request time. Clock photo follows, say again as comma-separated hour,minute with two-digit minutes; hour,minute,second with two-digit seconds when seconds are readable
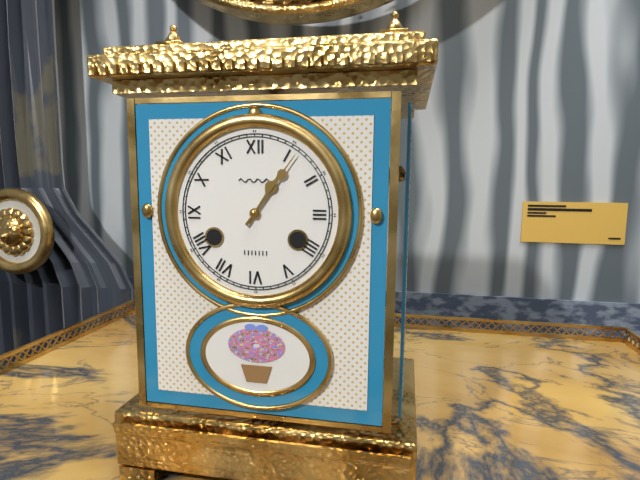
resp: 1,06
